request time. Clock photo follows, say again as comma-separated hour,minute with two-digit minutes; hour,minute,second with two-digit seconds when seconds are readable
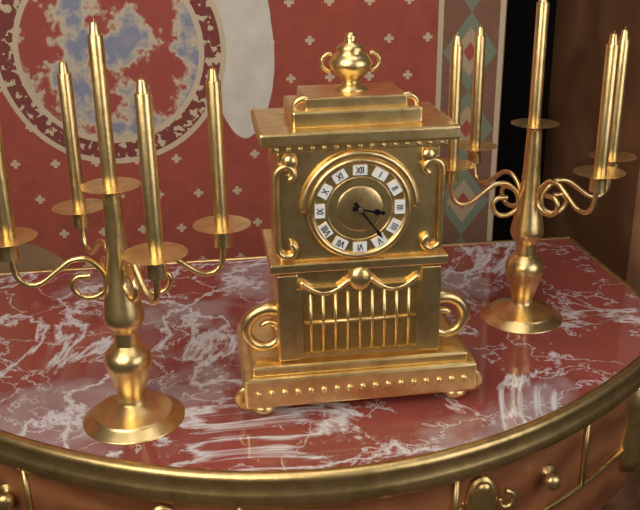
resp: 3,24
